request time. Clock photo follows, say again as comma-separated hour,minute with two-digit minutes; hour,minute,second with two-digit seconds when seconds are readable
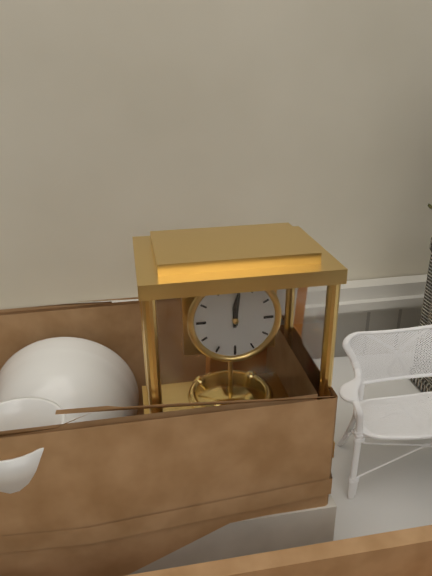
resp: 12,01
